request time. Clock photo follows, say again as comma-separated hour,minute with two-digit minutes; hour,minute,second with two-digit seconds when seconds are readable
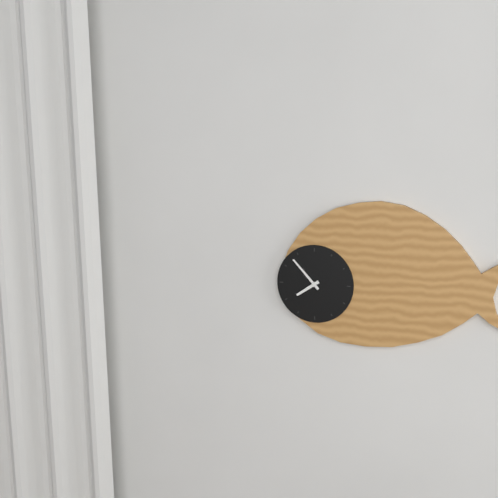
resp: 7,53
